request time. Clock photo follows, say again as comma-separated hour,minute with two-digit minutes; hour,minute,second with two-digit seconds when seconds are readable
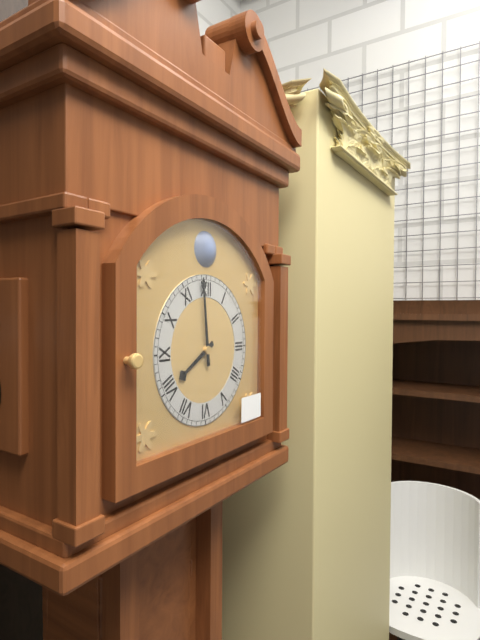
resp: 7,59
